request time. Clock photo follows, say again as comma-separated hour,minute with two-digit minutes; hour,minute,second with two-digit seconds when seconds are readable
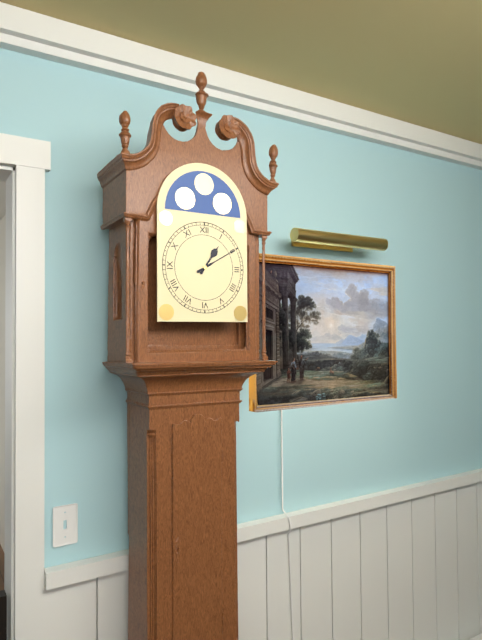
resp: 1,10
